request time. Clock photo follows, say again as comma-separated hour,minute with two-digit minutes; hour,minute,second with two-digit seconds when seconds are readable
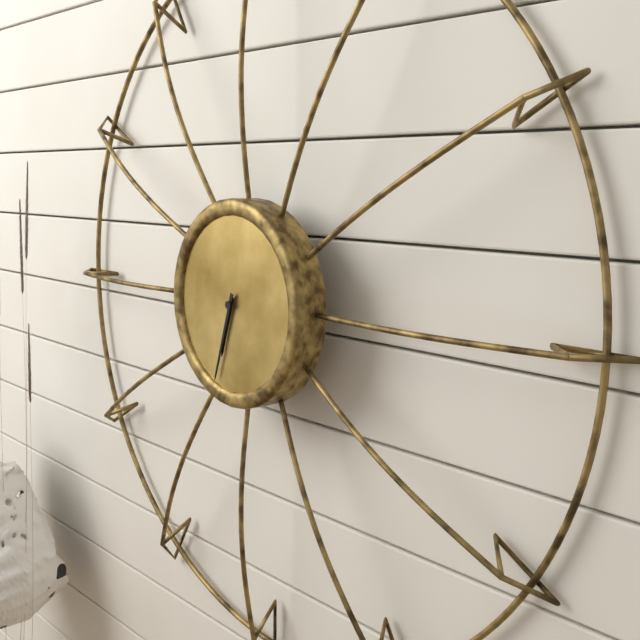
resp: 6,33
